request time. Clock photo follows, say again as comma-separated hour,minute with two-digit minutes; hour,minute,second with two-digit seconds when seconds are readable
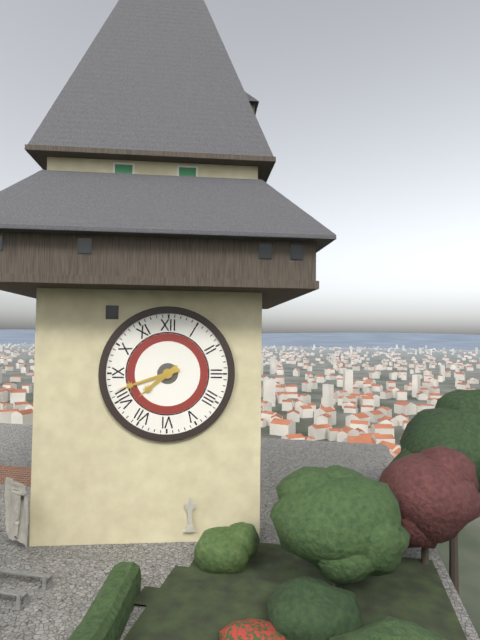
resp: 7,42
